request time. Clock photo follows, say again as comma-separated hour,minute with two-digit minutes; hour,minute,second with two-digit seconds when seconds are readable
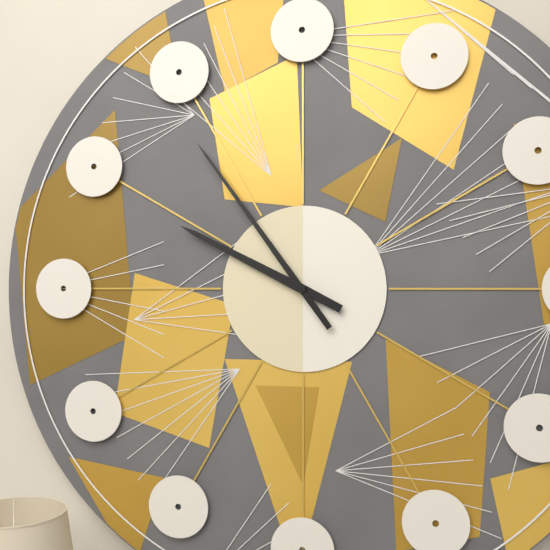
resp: 9,54
